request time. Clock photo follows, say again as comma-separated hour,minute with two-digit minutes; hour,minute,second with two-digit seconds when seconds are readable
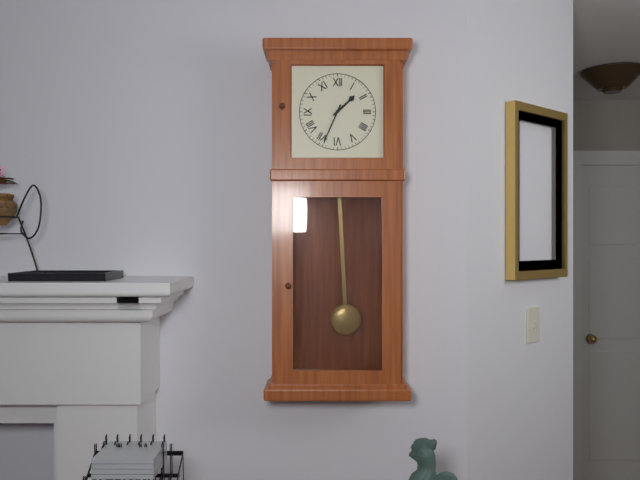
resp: 1,34
